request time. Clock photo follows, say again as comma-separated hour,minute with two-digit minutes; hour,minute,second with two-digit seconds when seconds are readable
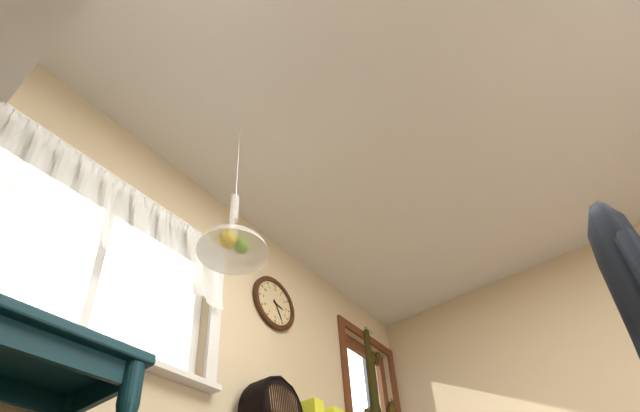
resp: 3,25
